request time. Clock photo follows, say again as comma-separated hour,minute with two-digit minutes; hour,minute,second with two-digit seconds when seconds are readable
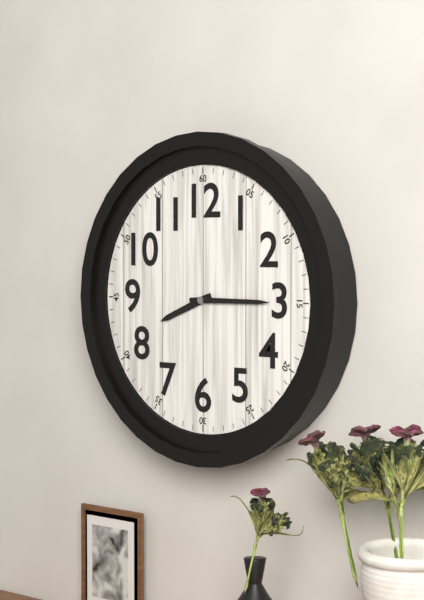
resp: 8,15
